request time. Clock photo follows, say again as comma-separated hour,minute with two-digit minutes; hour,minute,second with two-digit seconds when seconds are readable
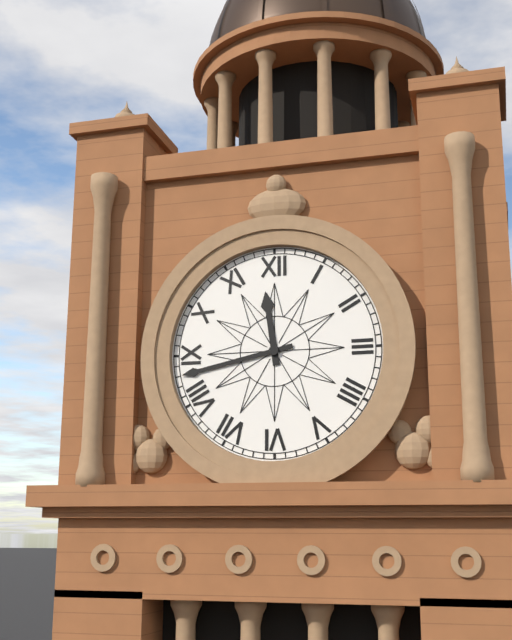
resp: 11,43
